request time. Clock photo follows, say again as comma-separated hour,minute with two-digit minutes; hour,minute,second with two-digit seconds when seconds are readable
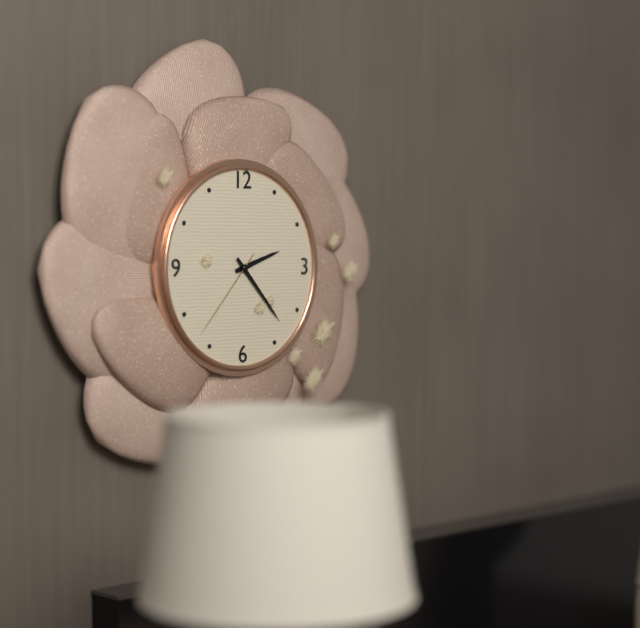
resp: 2,23,37
